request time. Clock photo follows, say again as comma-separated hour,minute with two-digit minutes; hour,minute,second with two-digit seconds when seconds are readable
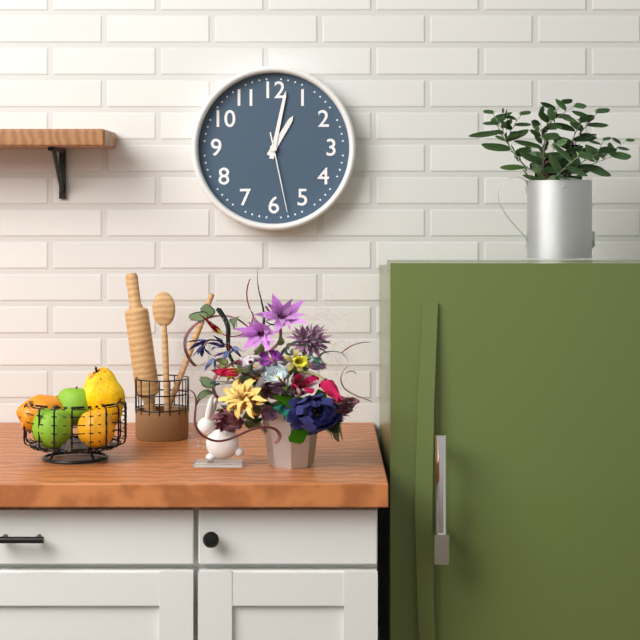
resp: 1,02,28
